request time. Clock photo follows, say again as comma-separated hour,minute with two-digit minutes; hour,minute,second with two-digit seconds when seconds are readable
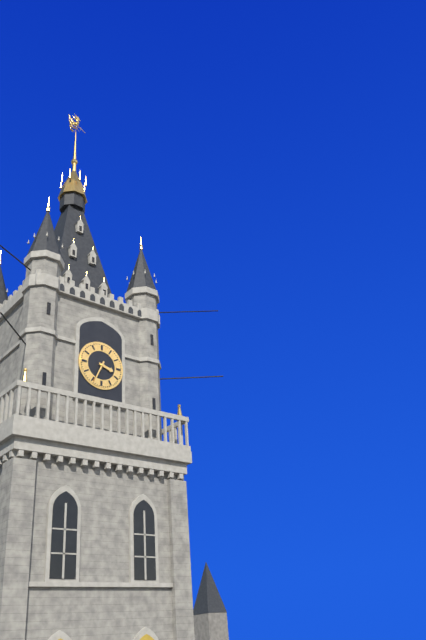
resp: 3,34
